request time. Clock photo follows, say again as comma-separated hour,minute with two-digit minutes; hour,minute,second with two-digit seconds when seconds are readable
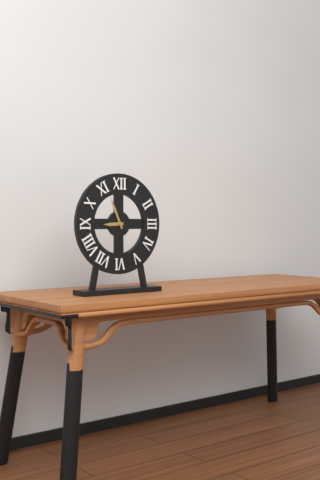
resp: 8,56
